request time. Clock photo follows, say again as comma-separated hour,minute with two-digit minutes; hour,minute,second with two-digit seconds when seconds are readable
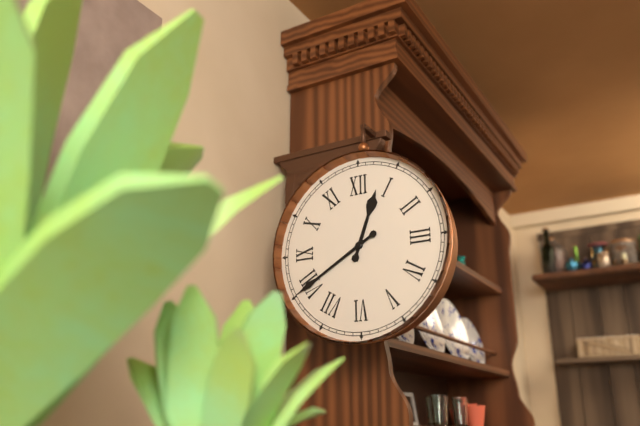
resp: 12,40
